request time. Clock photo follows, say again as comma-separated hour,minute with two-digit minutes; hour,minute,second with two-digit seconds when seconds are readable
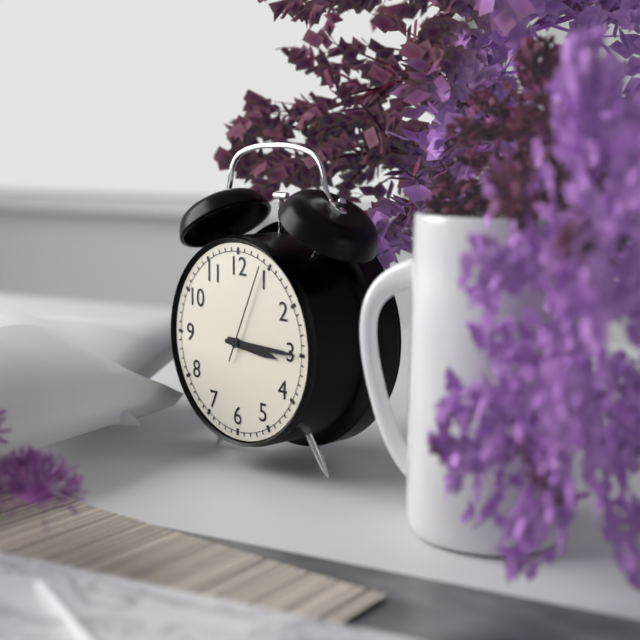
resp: 3,15,04
